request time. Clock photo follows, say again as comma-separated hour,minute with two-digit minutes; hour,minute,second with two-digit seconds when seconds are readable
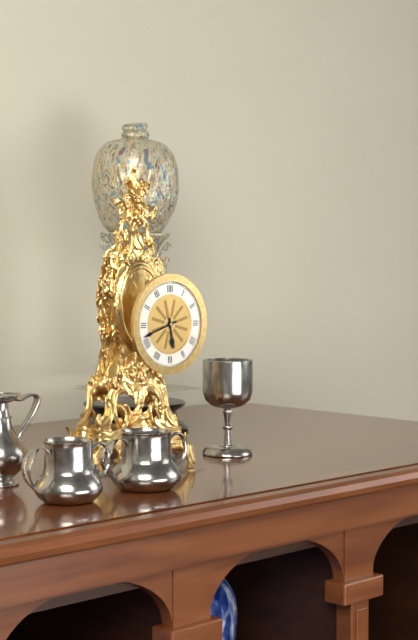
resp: 5,42
